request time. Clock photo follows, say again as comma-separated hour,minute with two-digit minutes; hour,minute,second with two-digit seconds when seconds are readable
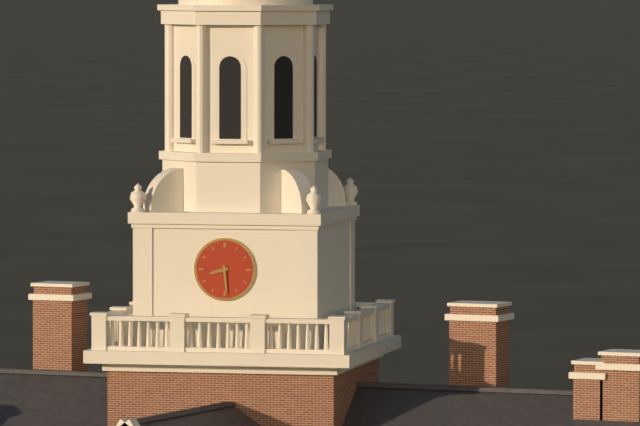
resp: 8,29
